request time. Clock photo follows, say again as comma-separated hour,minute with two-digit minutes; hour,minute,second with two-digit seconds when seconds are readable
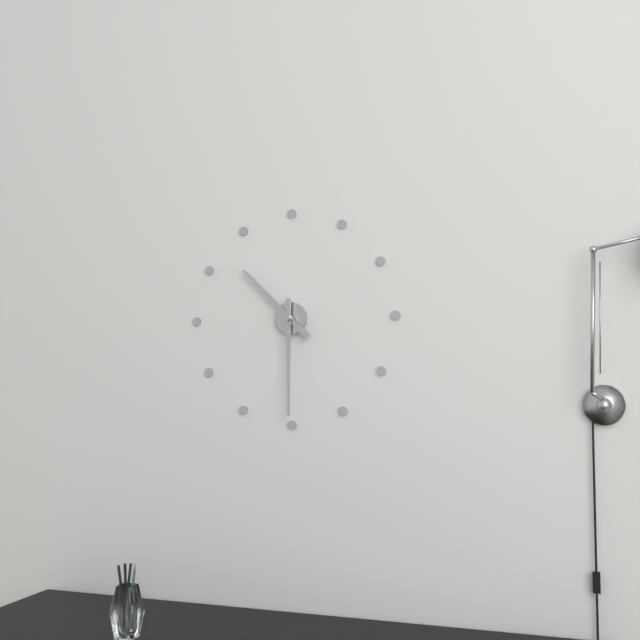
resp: 10,30
